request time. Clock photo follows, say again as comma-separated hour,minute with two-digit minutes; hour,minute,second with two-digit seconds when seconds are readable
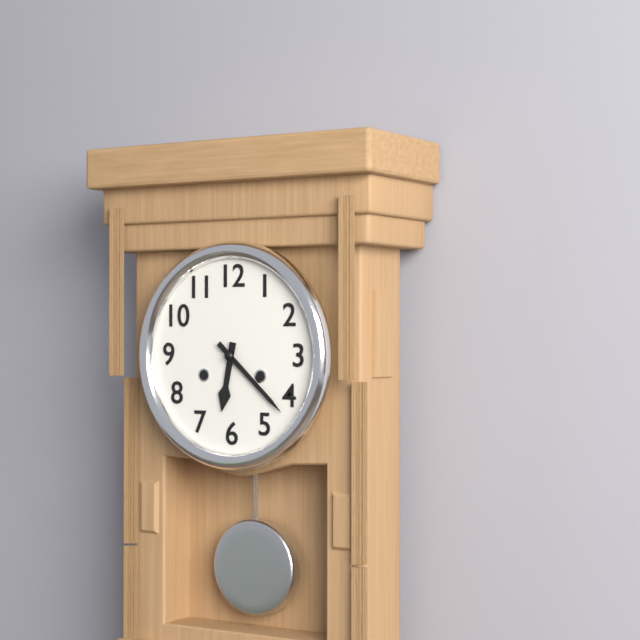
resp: 6,22
